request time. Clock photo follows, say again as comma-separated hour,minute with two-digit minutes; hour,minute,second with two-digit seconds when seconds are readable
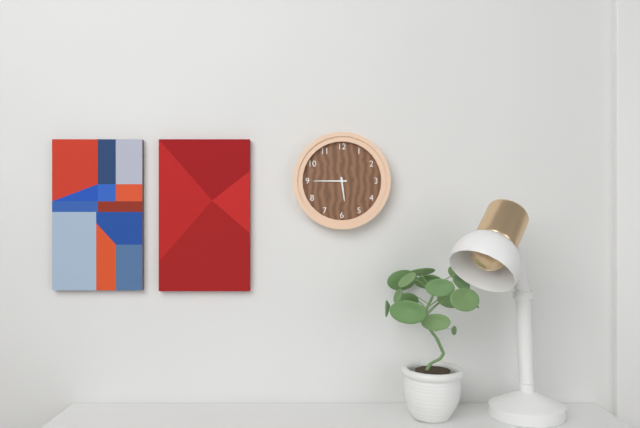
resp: 5,45
